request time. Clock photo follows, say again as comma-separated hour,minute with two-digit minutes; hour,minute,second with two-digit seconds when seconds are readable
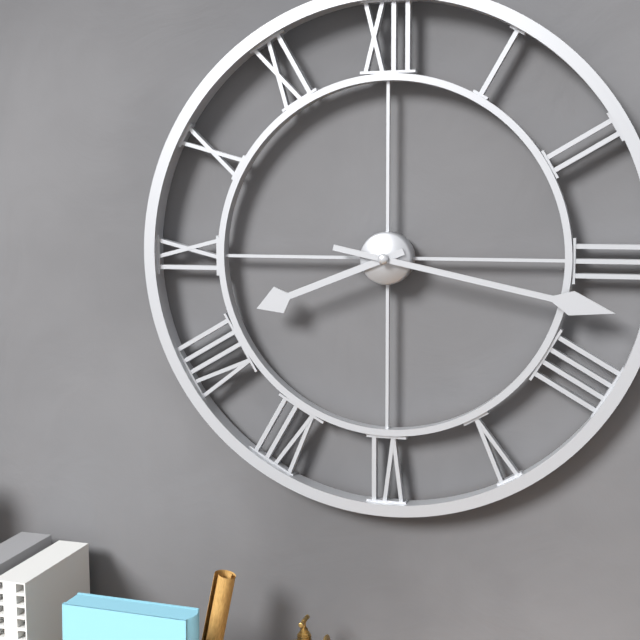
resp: 8,17
